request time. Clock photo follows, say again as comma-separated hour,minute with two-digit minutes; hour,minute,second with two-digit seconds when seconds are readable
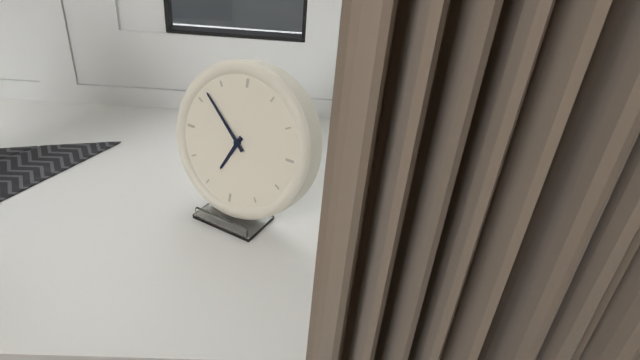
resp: 6,52
